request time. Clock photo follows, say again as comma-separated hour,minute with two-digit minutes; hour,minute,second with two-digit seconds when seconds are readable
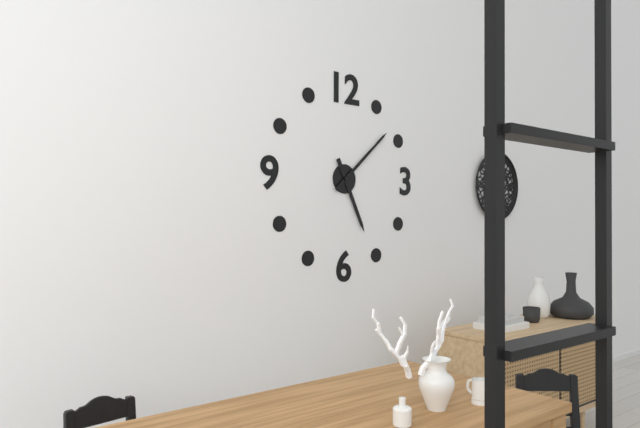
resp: 5,08
